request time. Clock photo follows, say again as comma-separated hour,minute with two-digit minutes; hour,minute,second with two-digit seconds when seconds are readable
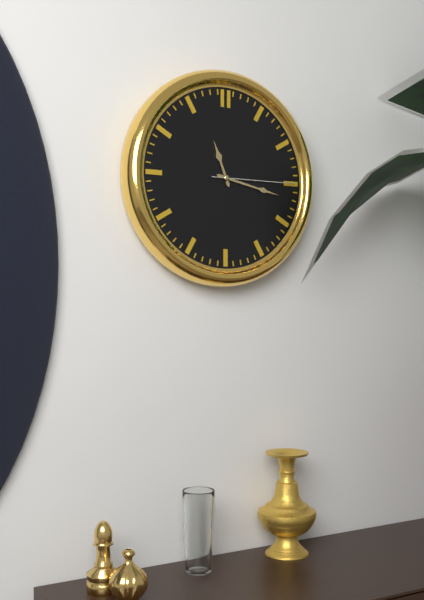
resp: 11,17,15
